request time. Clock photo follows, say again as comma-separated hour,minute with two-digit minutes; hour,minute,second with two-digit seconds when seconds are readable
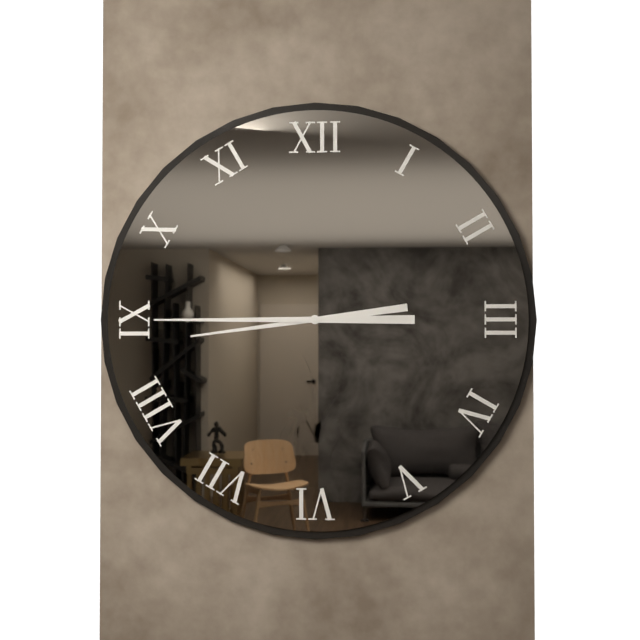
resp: 8,45
